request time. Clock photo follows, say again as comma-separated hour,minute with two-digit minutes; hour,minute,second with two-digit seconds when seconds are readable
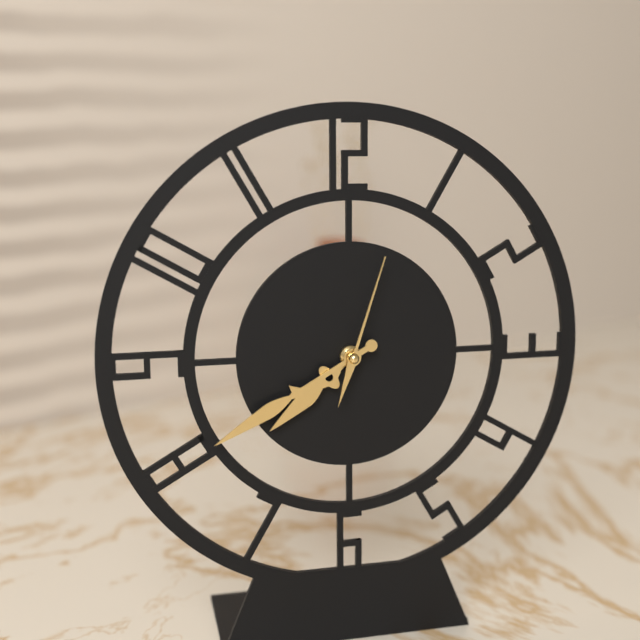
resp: 7,40,03
